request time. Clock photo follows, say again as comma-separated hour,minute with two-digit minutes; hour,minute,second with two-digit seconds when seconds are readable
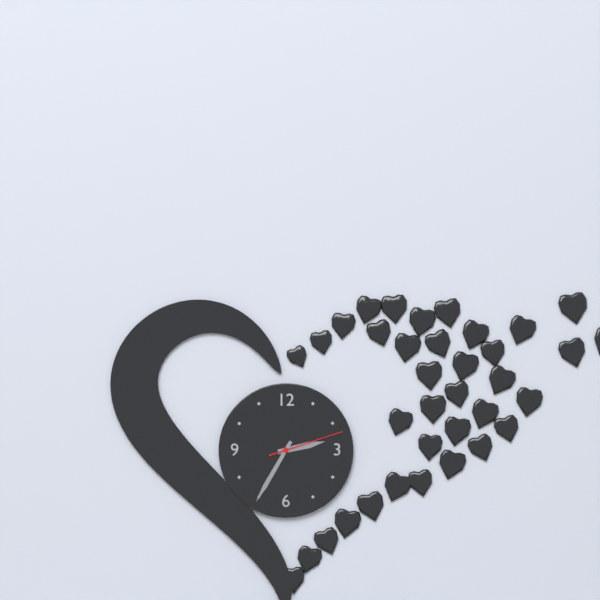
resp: 2,35,12
